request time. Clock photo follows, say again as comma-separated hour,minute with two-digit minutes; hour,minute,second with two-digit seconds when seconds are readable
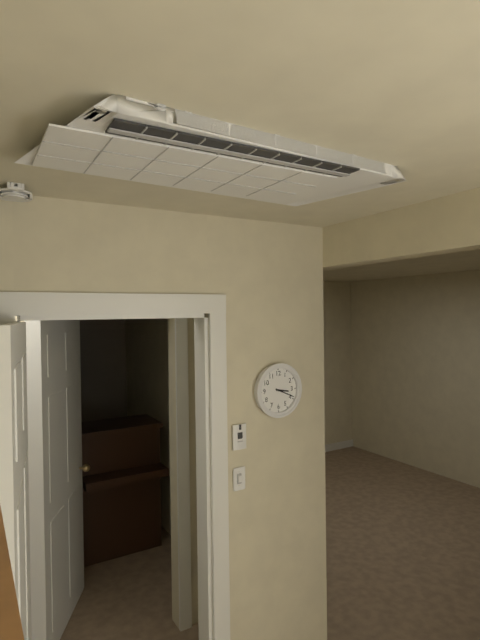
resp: 3,19
